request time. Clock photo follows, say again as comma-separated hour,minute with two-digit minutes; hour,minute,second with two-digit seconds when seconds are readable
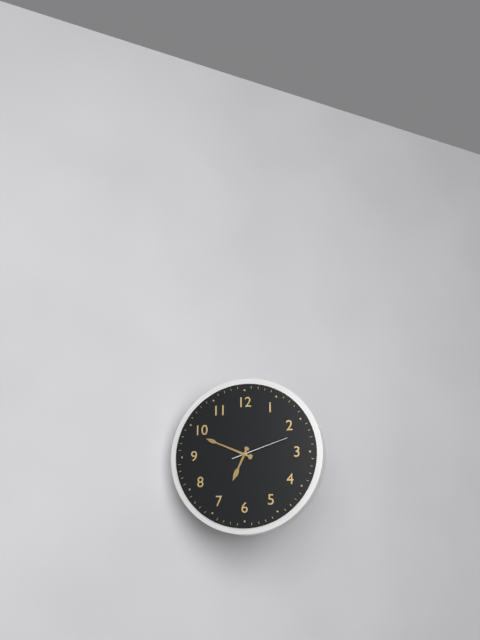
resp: 6,49,12
